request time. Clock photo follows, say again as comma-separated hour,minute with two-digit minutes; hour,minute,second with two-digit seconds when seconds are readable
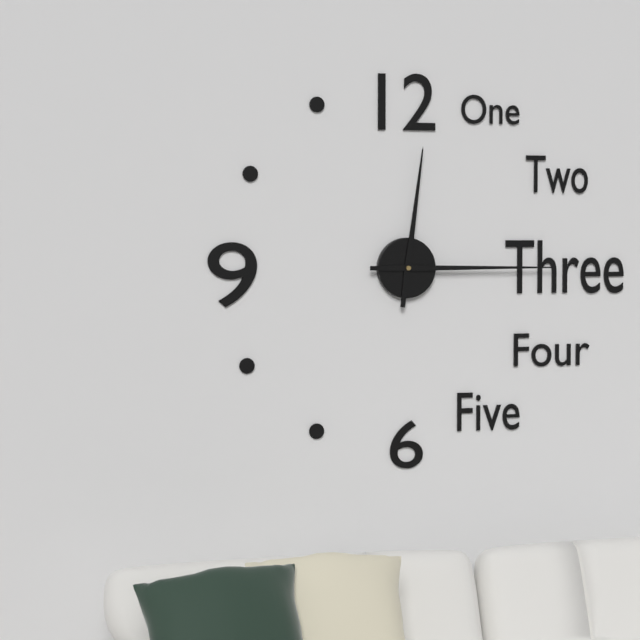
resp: 12,15
